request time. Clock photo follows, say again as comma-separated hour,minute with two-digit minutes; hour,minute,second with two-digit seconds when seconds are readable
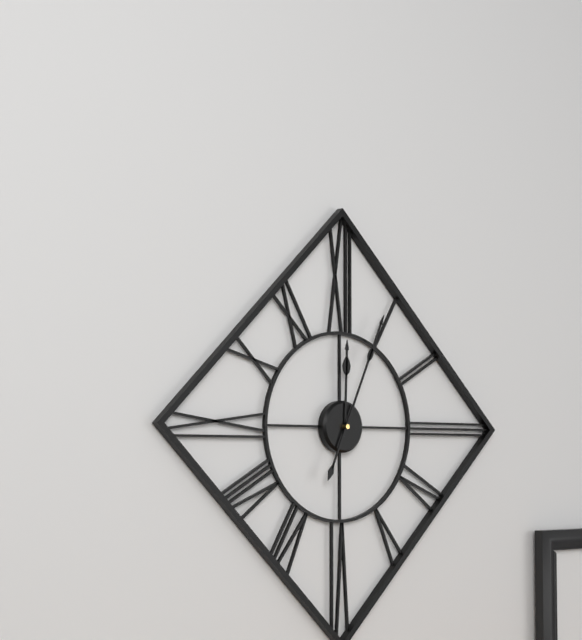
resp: 12,04
